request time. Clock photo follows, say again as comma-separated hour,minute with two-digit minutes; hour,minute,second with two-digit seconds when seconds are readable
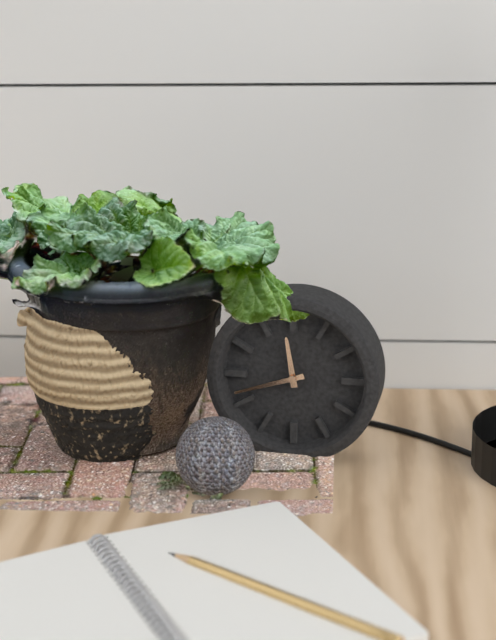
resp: 11,42
